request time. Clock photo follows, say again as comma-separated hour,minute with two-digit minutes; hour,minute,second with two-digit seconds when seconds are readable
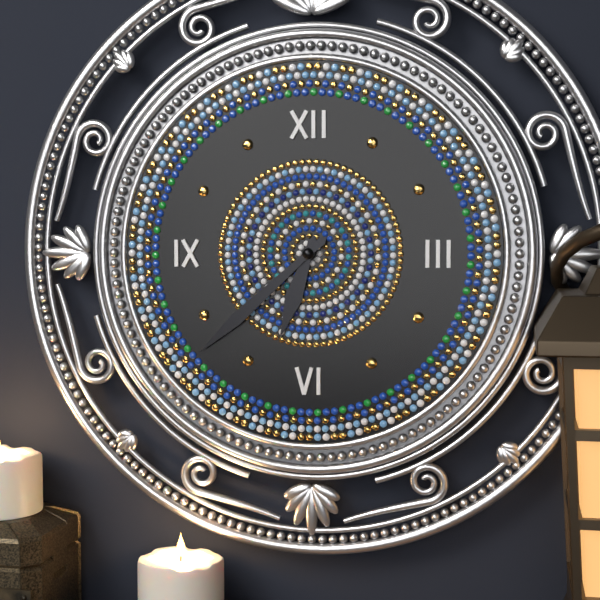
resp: 6,38
